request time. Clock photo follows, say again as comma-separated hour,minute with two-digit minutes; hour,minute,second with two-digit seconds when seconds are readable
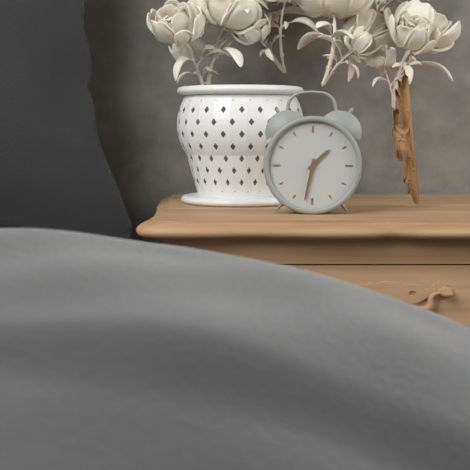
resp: 1,32
